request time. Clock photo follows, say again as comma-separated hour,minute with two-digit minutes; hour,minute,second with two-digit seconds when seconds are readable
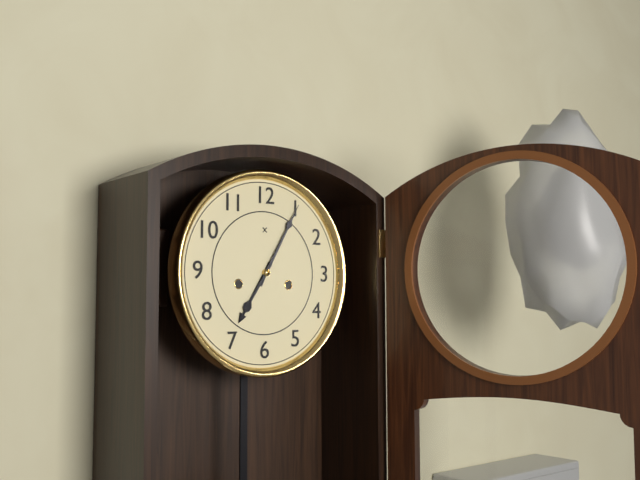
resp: 7,05
